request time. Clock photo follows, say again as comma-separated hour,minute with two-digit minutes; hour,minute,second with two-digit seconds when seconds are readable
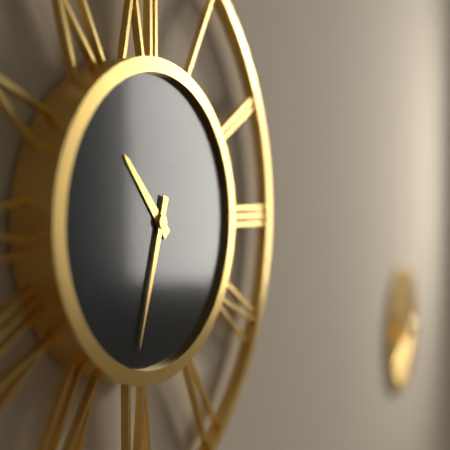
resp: 10,33
